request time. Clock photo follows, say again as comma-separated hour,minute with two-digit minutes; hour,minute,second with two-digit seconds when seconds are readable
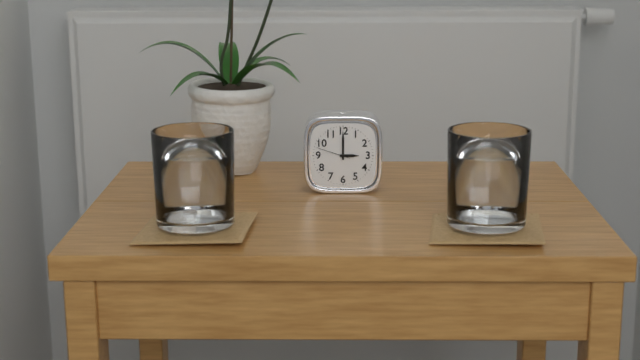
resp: 3,00
